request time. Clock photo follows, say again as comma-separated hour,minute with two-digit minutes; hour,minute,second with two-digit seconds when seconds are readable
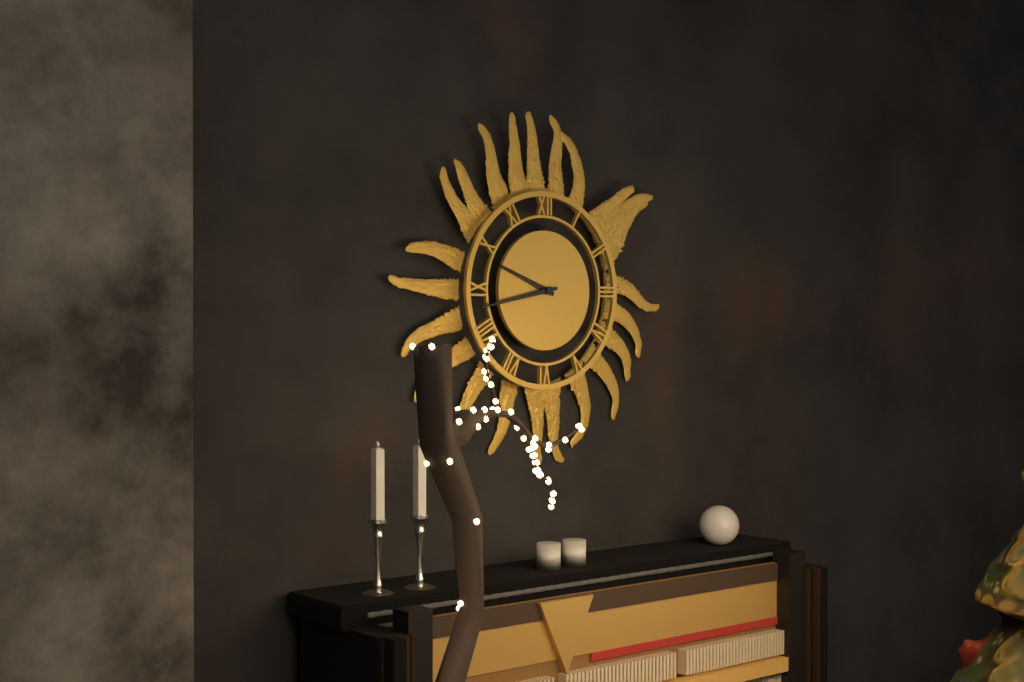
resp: 9,43
